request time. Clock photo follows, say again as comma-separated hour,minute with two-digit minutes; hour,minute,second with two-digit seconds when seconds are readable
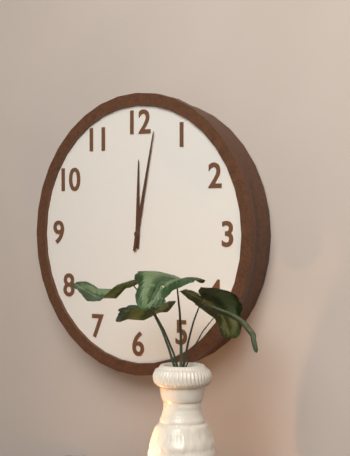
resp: 12,02
